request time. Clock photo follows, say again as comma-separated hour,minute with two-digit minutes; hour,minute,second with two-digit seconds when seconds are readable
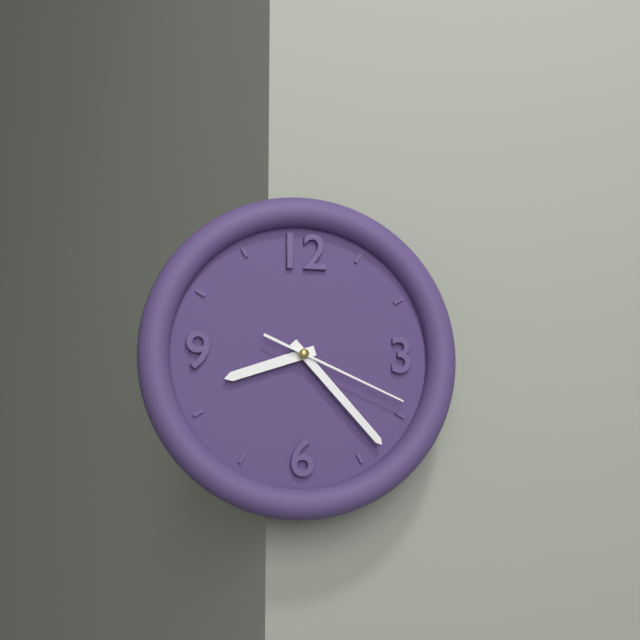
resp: 8,23,19
